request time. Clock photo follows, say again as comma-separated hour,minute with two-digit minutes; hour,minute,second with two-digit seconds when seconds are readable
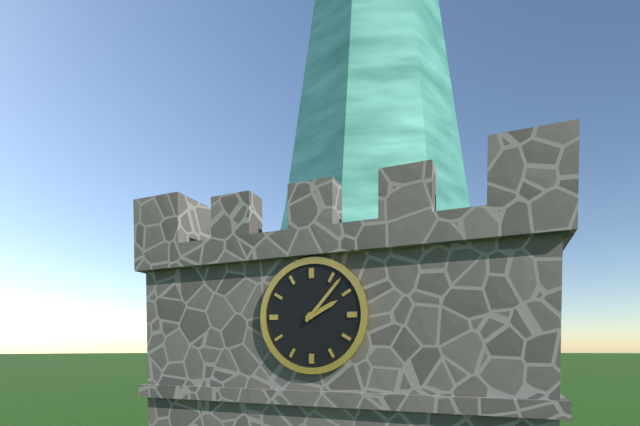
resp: 2,07
